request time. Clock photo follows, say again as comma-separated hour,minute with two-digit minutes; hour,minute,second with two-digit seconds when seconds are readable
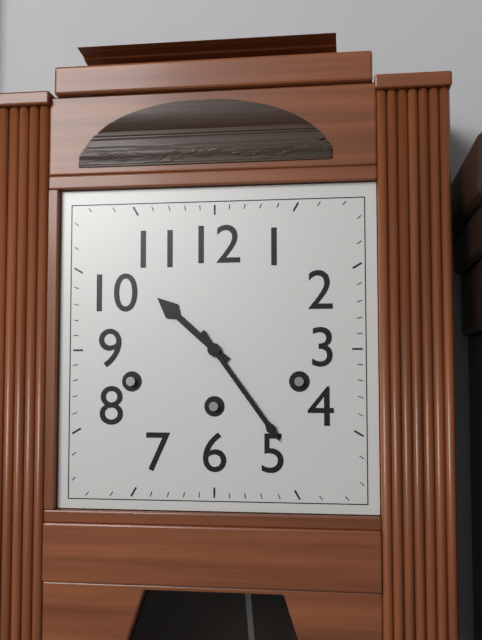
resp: 10,24
